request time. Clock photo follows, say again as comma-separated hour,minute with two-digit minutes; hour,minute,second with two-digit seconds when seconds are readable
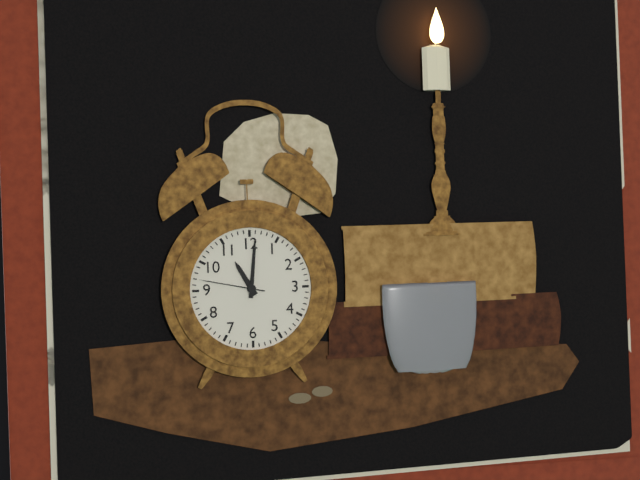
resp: 11,01,47
